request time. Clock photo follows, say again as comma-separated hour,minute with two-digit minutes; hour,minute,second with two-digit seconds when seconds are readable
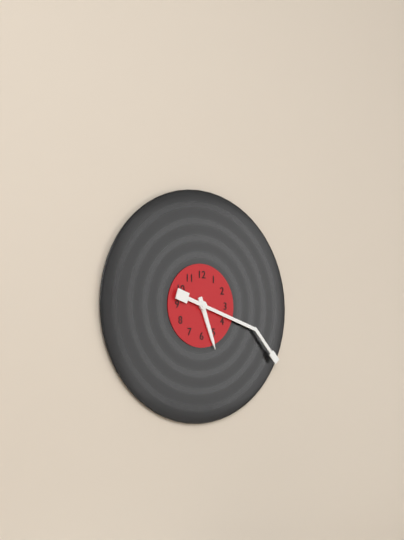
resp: 5,18
